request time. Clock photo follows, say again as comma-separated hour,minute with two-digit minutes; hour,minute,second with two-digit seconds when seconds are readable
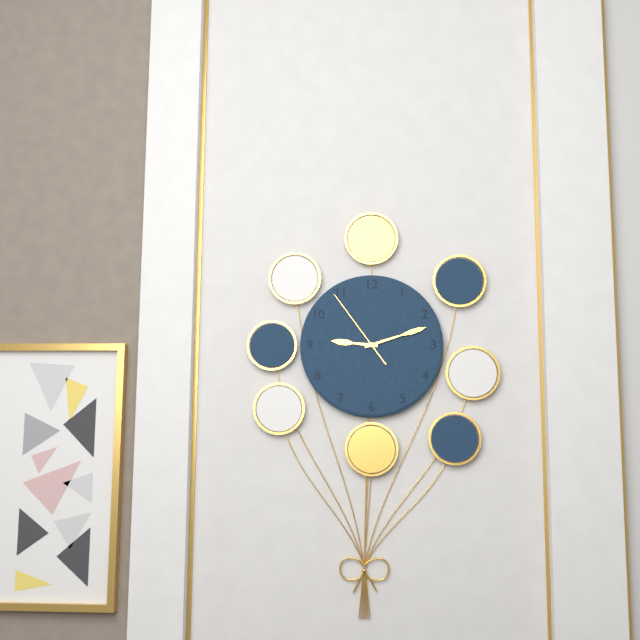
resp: 9,12,54
